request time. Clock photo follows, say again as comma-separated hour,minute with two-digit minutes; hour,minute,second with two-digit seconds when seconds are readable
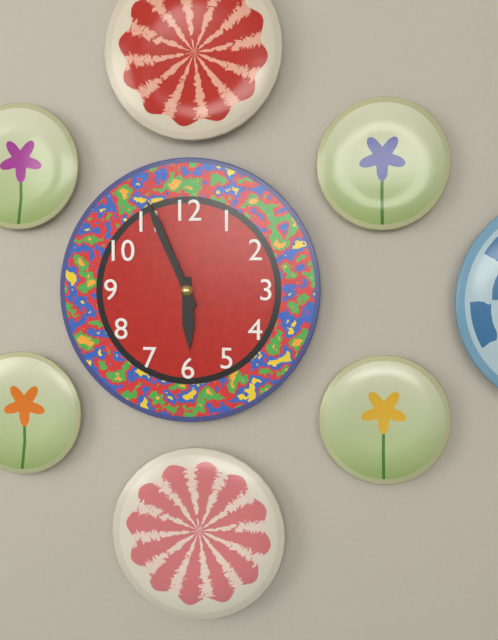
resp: 5,56
